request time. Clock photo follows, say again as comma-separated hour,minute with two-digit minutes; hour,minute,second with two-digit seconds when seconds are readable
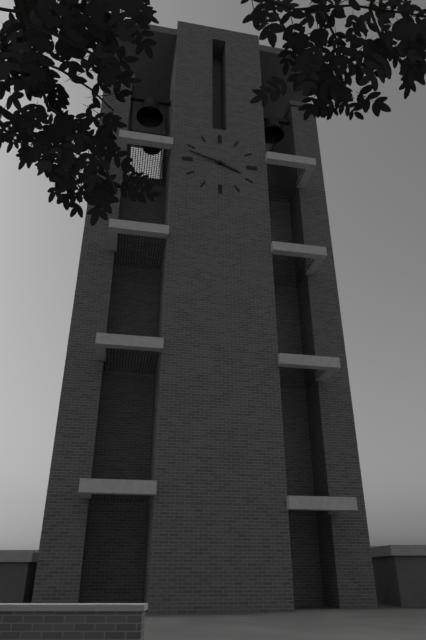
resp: 3,48
